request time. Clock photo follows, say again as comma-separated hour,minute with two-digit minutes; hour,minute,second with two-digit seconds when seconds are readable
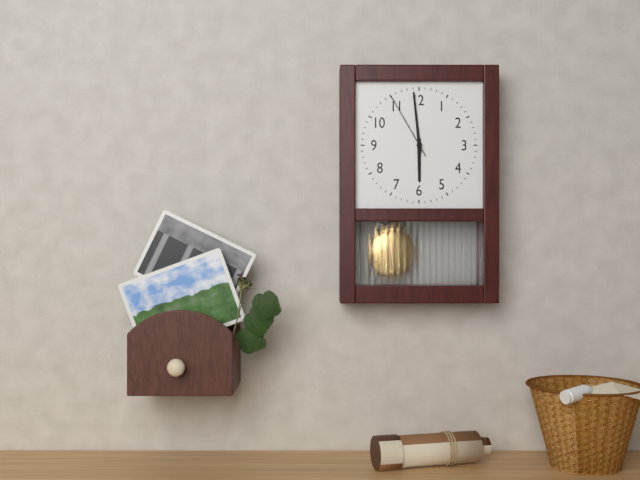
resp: 5,59,55
